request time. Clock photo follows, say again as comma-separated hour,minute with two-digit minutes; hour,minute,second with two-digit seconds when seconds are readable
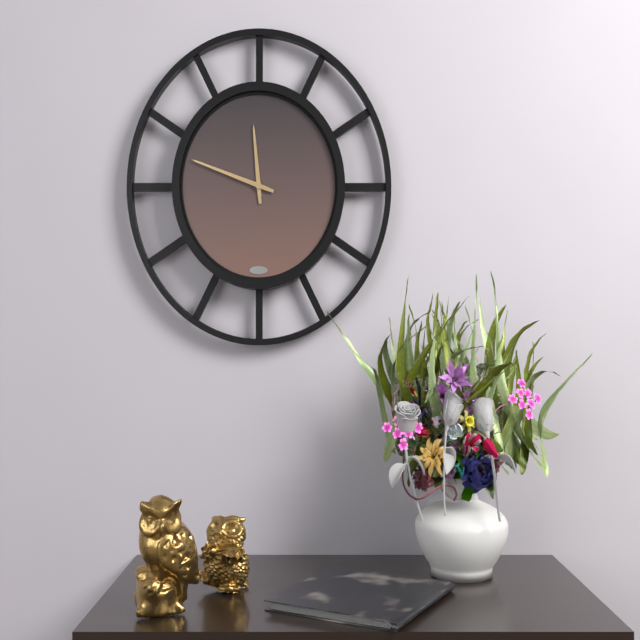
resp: 11,48
